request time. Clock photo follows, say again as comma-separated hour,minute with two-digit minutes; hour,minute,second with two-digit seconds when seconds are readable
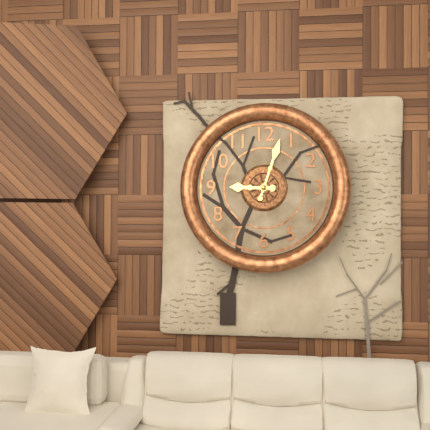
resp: 9,03
